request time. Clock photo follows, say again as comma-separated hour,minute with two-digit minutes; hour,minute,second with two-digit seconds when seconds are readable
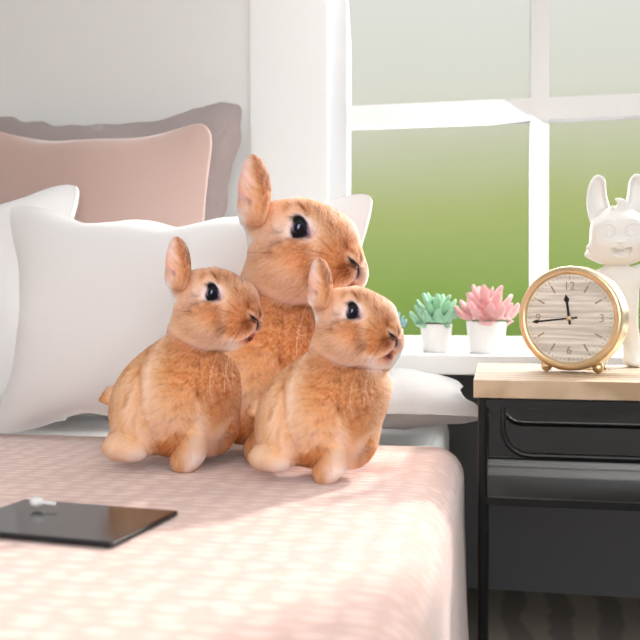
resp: 11,44
